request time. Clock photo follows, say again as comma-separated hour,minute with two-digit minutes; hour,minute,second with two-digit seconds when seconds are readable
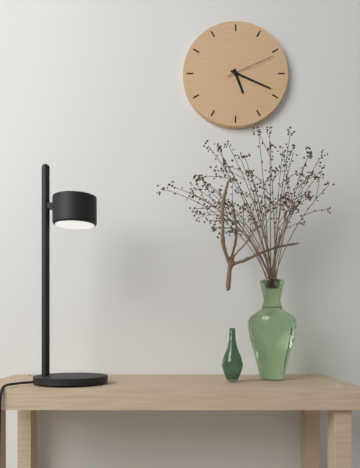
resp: 5,19,11
